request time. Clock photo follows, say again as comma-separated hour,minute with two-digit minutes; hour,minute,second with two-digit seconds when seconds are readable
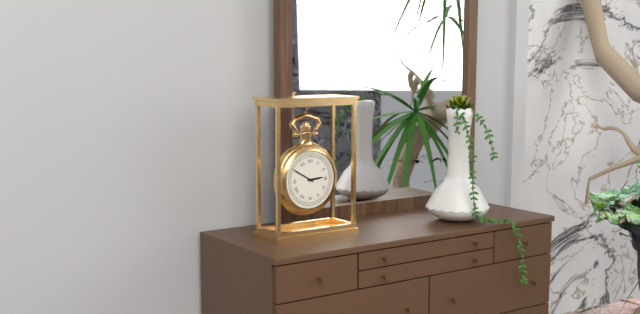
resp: 2,50
